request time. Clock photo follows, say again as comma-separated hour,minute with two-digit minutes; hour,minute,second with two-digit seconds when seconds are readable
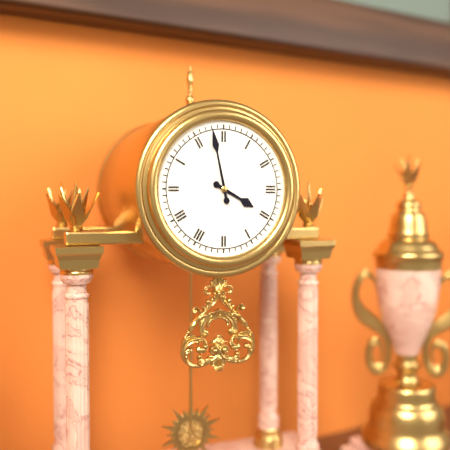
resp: 3,58
